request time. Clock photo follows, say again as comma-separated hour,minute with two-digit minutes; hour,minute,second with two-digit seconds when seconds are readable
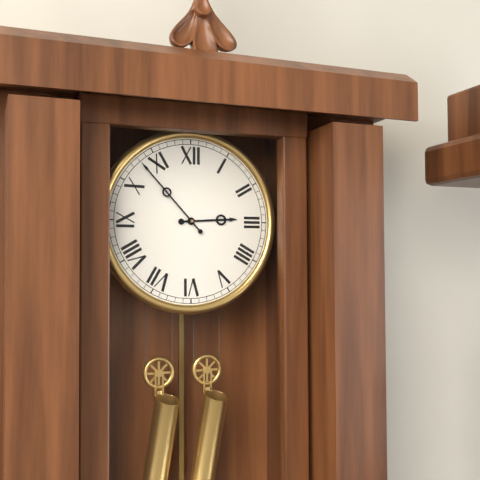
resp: 2,53
